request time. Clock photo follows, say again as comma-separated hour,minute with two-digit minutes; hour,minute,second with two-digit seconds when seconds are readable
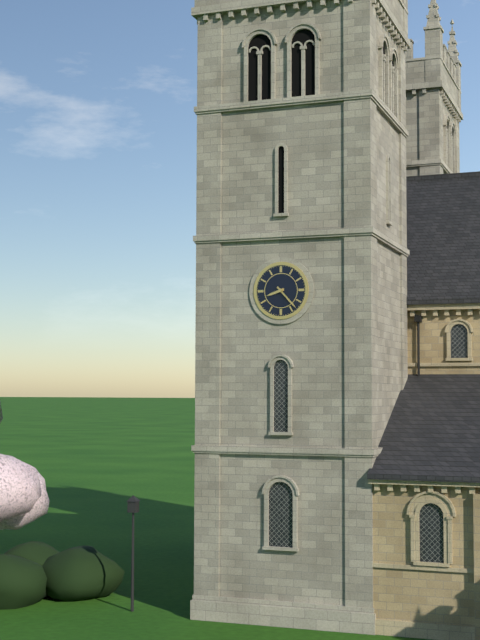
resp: 8,23
